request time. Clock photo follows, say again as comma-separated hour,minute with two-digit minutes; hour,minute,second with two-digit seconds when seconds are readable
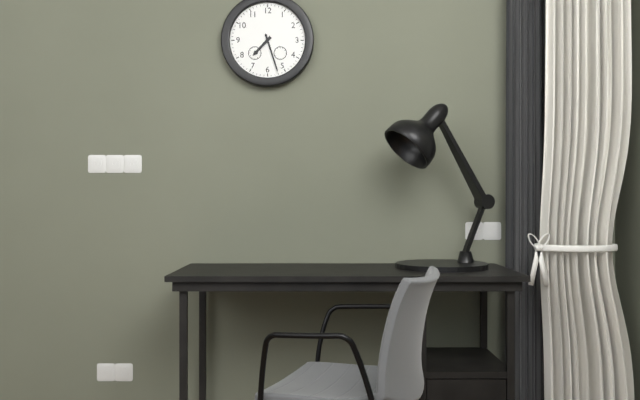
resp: 7,27
